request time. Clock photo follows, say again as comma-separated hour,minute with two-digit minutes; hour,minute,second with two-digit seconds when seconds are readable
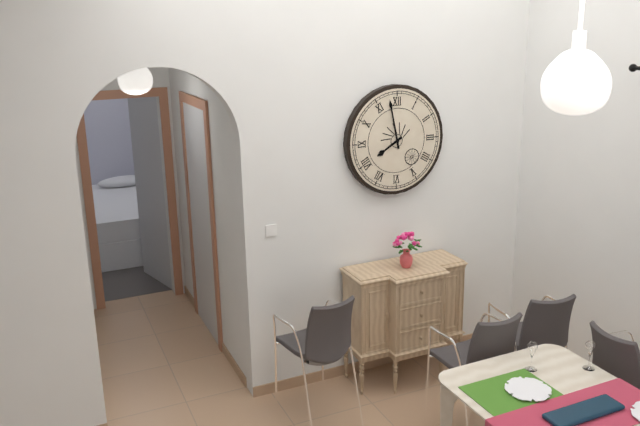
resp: 7,58
